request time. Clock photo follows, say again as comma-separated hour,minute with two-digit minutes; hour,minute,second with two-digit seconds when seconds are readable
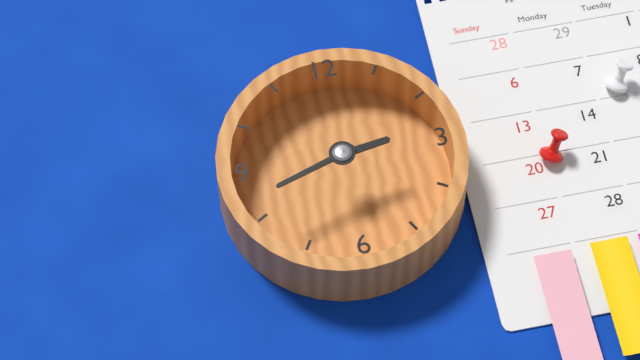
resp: 2,42
